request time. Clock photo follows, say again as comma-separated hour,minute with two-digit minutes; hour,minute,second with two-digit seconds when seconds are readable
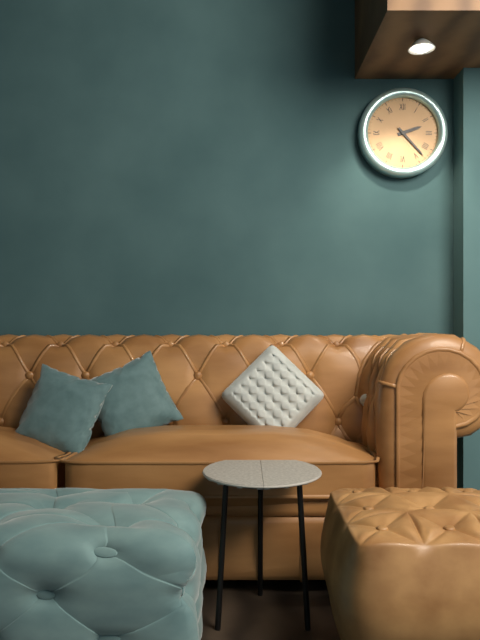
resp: 2,23
